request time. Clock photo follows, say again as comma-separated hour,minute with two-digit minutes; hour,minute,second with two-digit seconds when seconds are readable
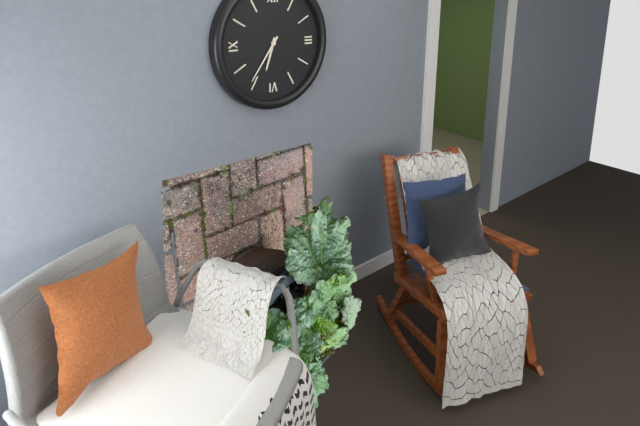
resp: 6,36
